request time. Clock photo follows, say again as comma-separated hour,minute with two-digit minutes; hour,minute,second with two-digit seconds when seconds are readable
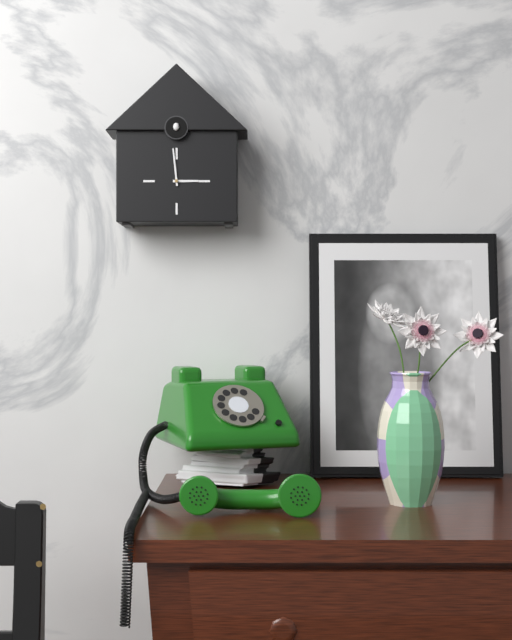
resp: 2,59
